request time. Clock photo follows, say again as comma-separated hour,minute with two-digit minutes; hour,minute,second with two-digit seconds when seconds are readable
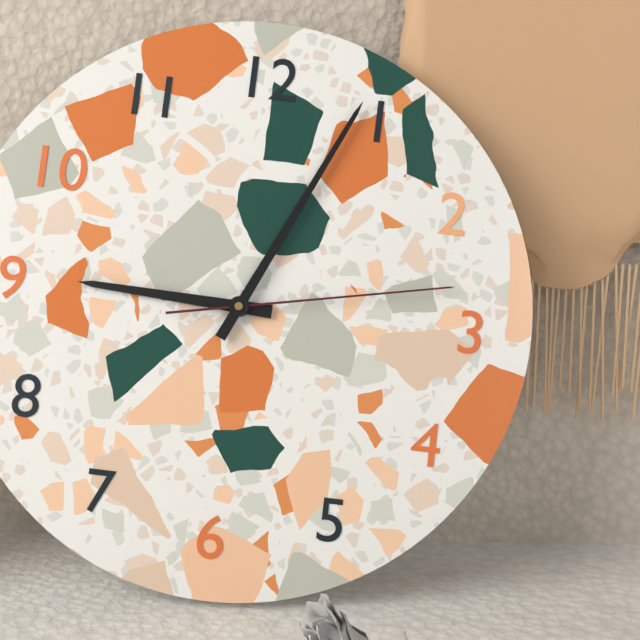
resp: 9,04,13
